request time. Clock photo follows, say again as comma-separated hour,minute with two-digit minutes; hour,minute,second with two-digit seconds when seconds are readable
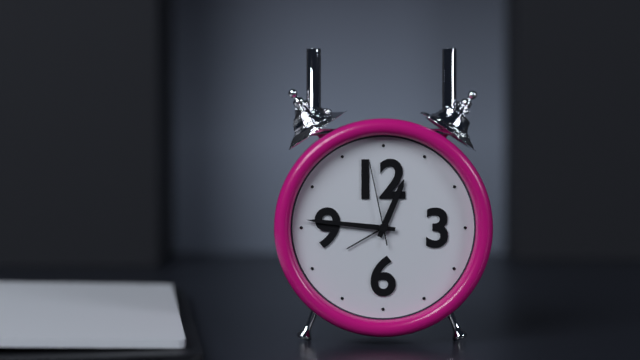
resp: 12,46,58
